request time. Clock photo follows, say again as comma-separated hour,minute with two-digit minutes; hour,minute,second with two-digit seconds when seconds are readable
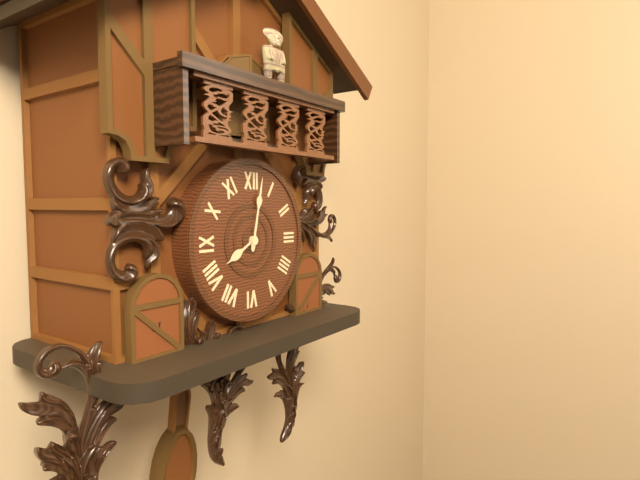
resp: 8,02
